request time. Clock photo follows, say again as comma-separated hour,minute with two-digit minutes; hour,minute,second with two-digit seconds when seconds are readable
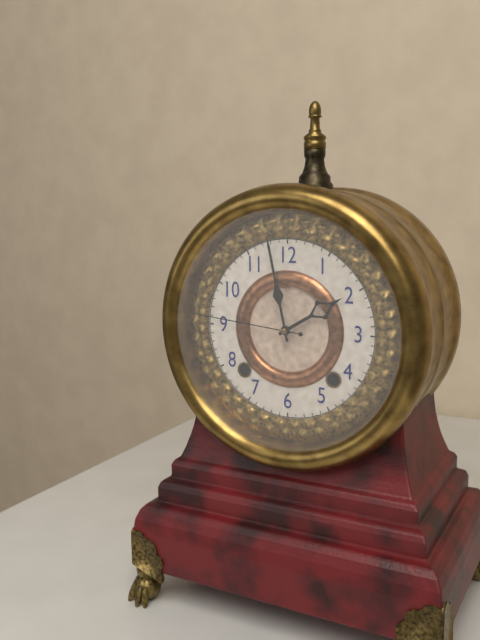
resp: 1,58,46
